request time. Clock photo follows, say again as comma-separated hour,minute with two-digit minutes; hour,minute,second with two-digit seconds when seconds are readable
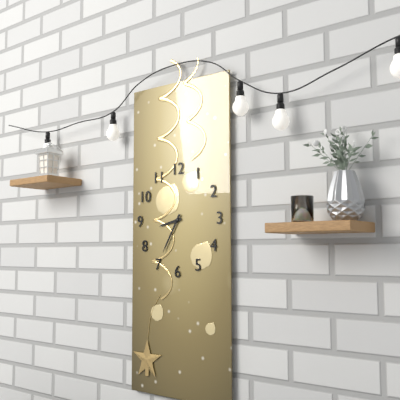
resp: 8,35
